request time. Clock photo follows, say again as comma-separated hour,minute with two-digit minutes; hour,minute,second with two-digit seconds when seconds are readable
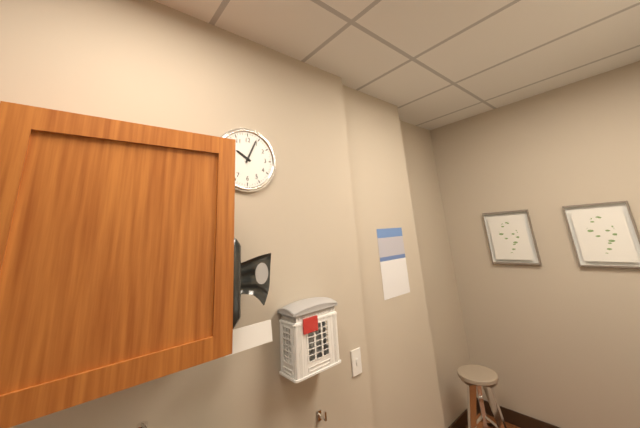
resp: 10,04
